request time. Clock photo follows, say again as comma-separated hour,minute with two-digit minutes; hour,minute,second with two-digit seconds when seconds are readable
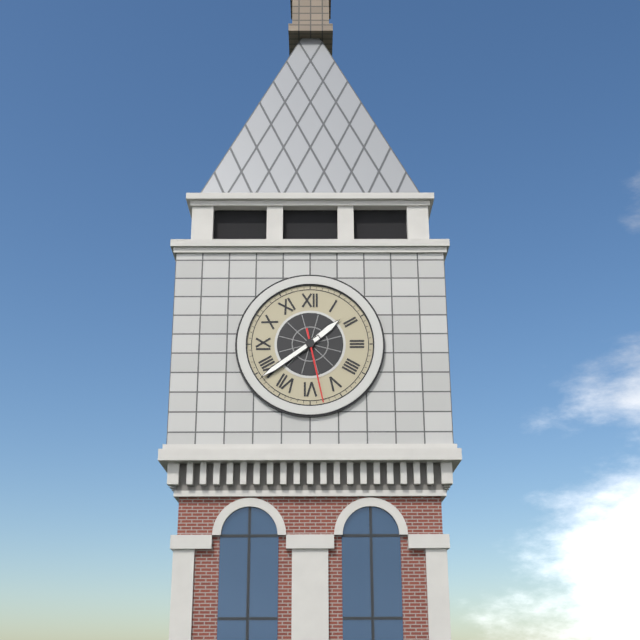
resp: 1,39,28
